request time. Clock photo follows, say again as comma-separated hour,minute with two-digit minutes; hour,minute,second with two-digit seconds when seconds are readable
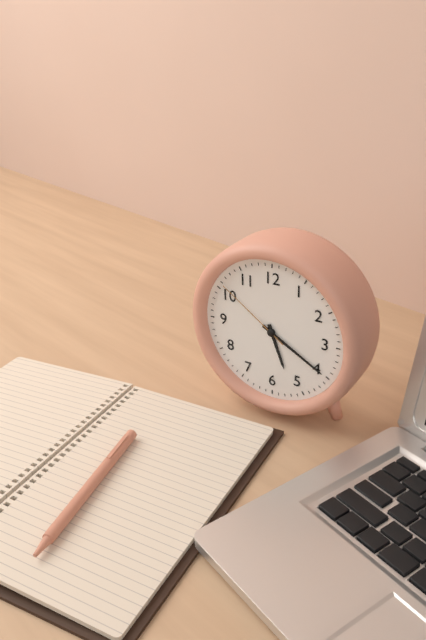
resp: 5,20,51
